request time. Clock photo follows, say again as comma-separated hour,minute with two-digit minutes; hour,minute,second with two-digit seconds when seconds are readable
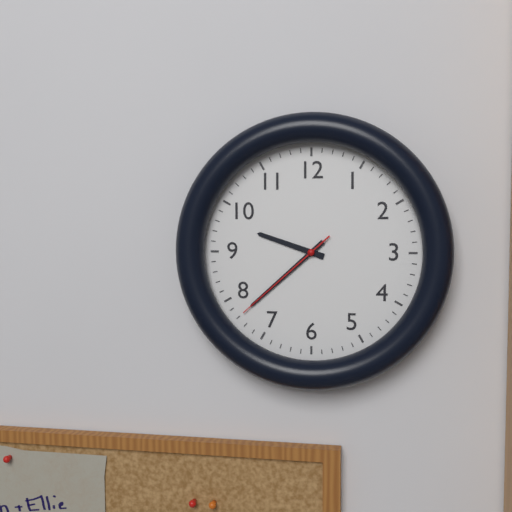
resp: 9,38,38
